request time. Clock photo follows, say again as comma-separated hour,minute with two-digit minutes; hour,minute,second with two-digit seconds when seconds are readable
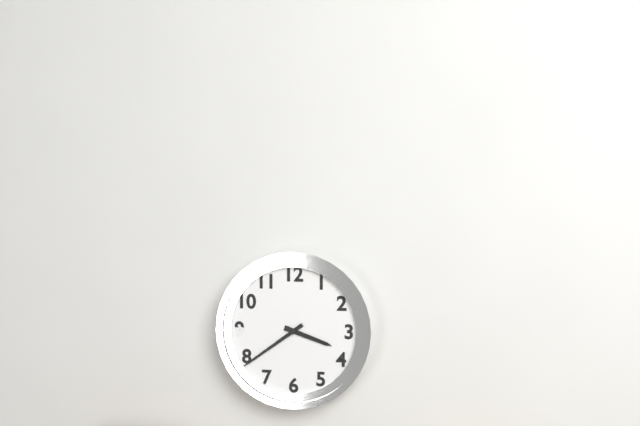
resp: 3,39
